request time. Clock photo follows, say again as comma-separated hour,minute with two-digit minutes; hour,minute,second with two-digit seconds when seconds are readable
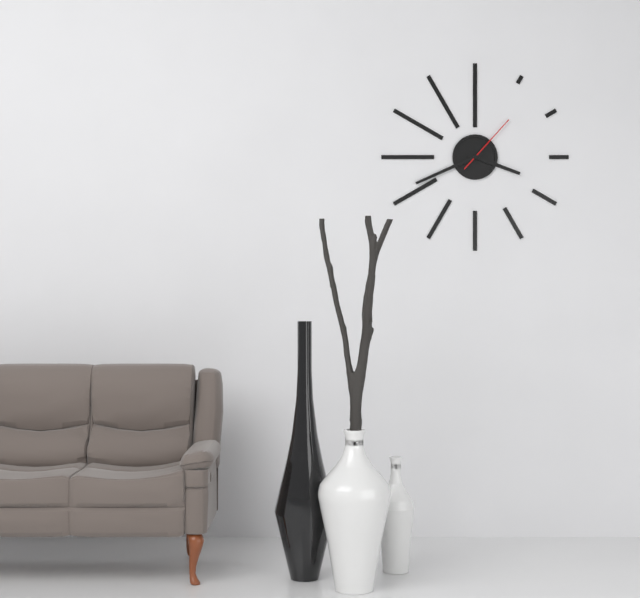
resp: 3,41,07
